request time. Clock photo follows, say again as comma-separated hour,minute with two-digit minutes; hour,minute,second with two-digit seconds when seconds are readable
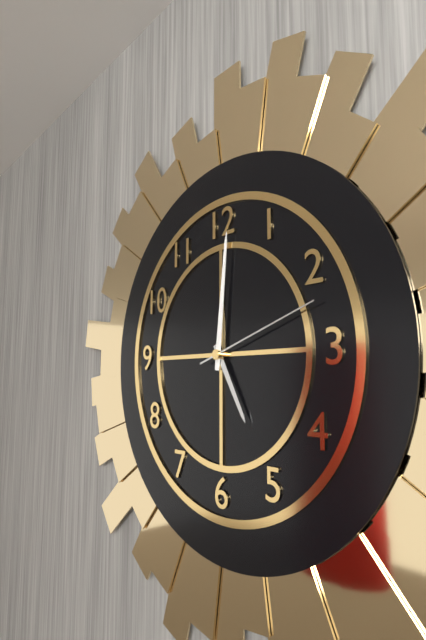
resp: 5,01,12
